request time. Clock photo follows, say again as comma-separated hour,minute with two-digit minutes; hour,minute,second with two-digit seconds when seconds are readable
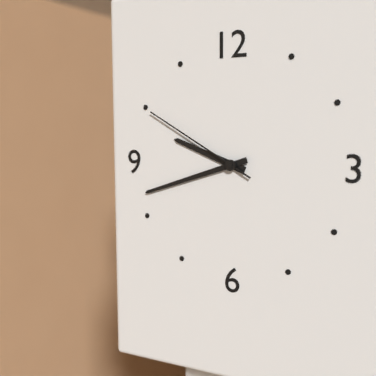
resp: 9,42,50
